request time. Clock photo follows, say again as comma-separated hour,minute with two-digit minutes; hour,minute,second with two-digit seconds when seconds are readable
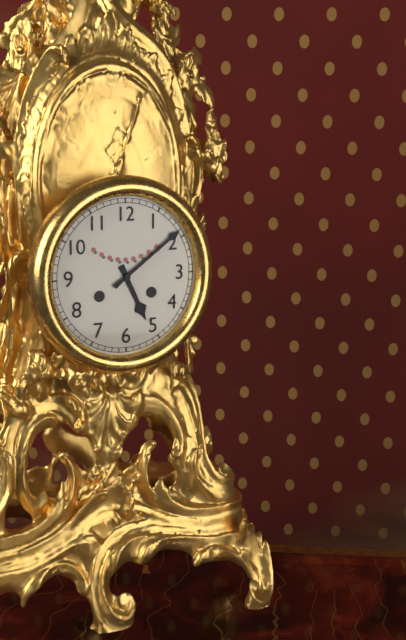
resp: 5,09
